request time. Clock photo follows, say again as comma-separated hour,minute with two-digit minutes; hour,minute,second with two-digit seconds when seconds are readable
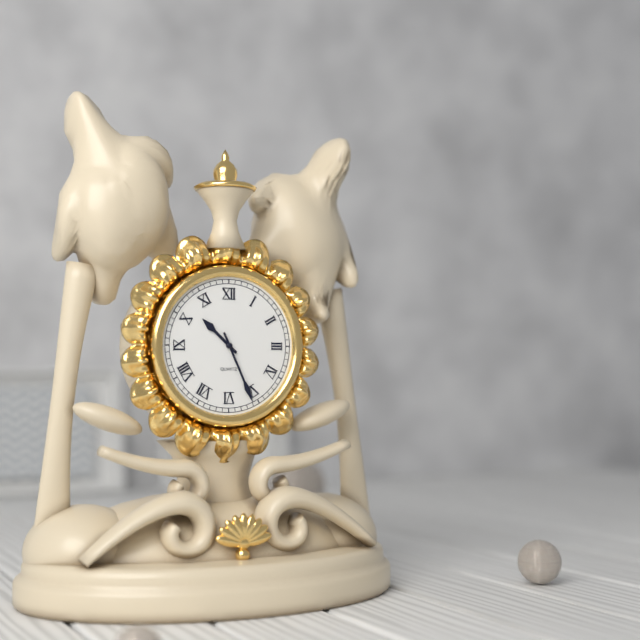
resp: 10,26
